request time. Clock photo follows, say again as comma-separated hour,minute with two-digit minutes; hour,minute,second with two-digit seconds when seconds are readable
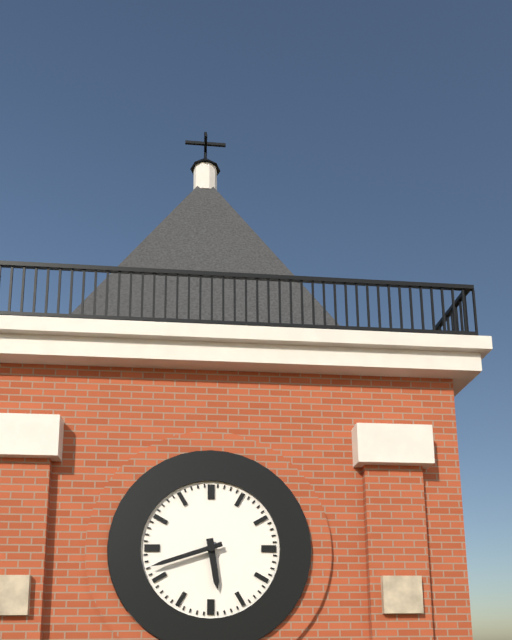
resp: 5,42
